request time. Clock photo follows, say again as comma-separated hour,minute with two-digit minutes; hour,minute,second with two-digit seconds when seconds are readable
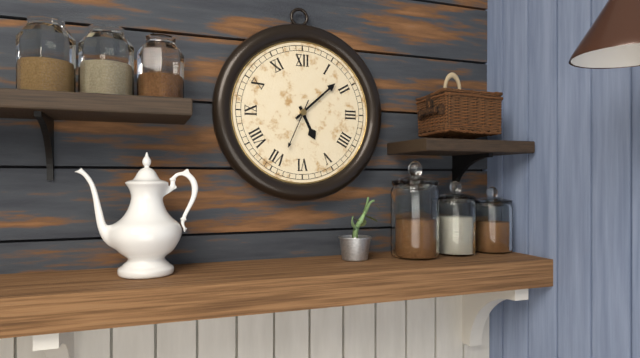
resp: 5,08
